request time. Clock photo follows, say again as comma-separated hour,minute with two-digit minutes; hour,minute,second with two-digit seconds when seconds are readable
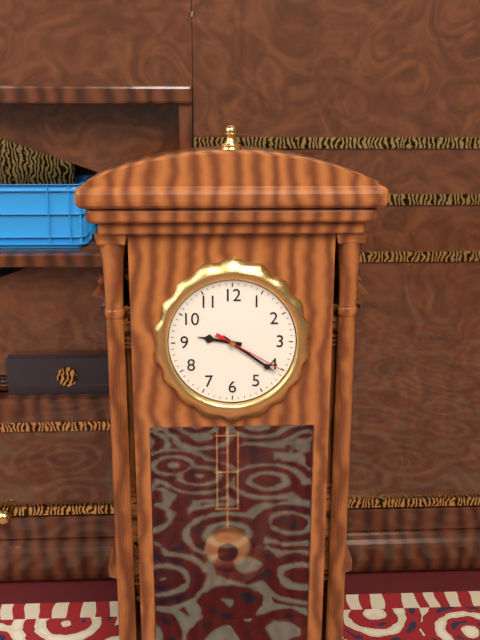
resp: 9,21,20
